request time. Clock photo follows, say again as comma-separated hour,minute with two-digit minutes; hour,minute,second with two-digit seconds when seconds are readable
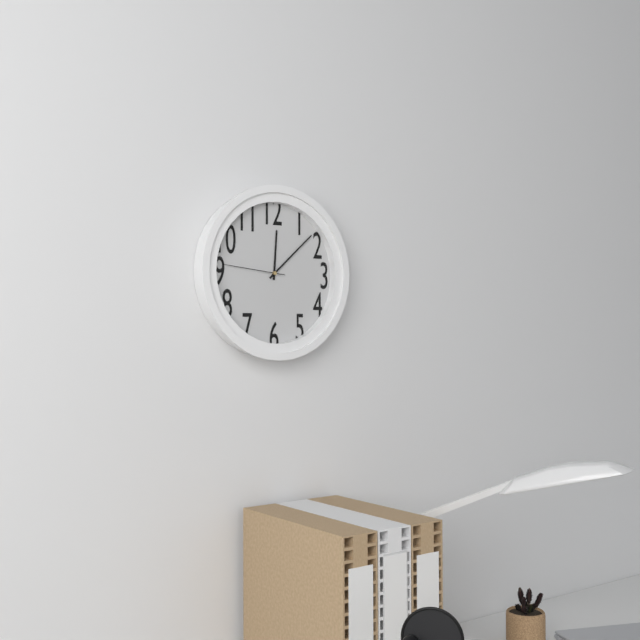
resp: 12,08,46
